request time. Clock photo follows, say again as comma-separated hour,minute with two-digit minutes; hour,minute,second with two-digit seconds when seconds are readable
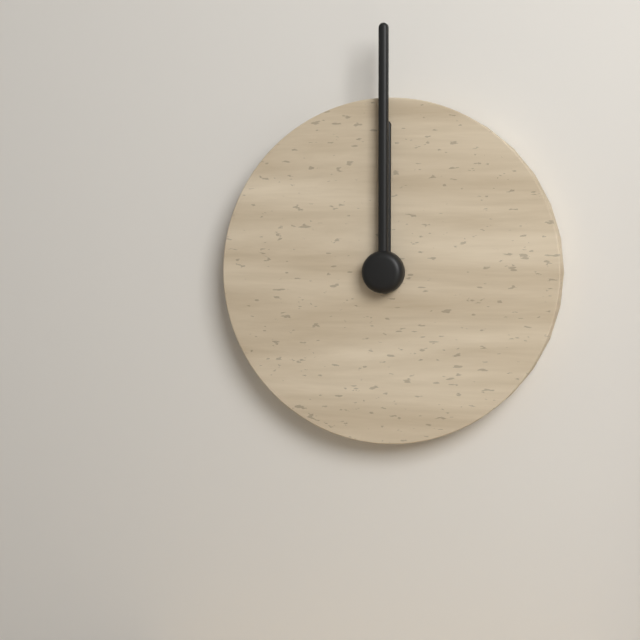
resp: 12,00
